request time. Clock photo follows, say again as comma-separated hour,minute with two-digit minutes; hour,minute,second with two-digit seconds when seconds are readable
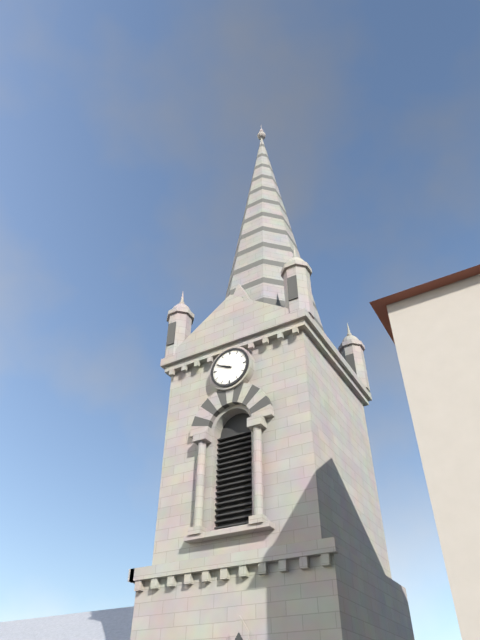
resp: 9,49
